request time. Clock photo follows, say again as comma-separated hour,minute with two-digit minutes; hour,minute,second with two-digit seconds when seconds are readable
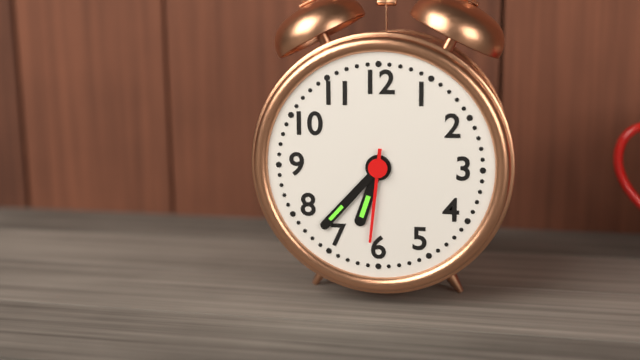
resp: 6,37,31
